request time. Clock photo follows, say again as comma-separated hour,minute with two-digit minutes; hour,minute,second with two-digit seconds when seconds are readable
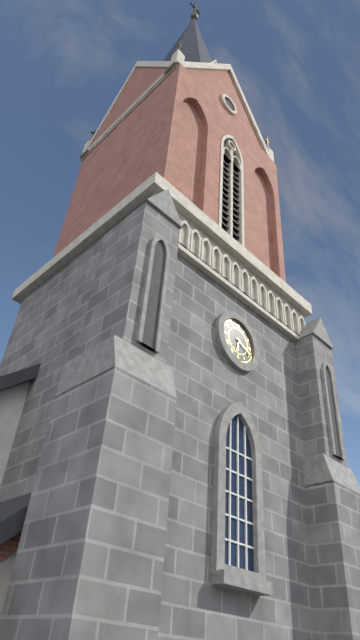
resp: 6,19
